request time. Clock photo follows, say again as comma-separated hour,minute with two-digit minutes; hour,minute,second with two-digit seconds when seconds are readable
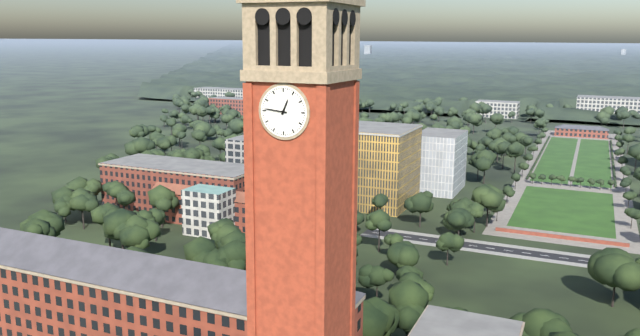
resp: 12,46
